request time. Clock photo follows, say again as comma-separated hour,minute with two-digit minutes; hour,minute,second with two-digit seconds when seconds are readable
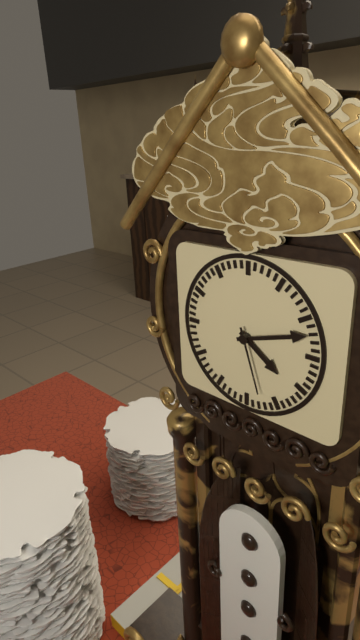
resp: 4,12,27
